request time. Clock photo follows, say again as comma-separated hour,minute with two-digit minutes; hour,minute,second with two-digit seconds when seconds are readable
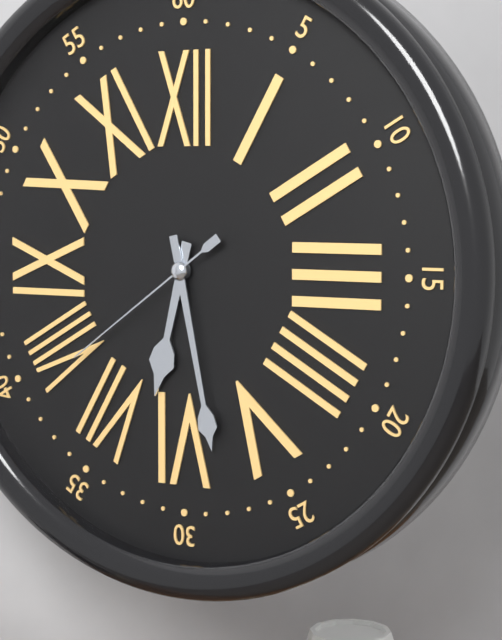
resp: 6,28,39
